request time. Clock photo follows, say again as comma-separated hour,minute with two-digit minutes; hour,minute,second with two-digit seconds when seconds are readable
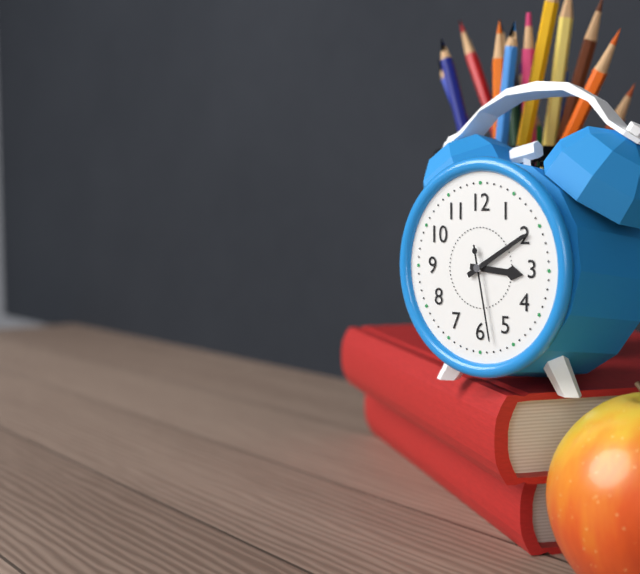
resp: 3,10,28
